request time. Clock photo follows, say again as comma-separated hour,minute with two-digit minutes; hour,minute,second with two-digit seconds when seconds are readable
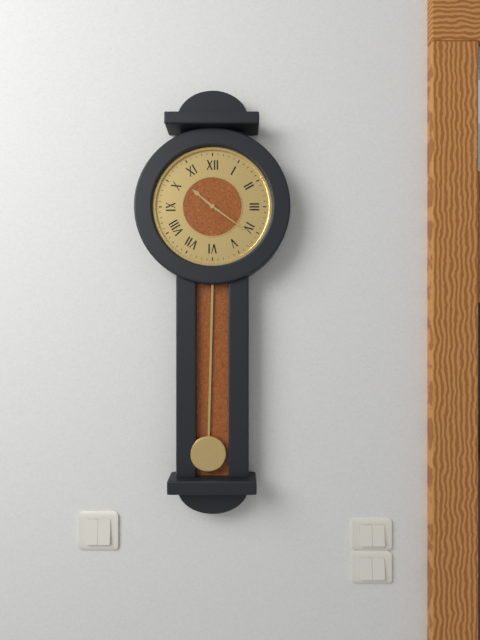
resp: 10,21
